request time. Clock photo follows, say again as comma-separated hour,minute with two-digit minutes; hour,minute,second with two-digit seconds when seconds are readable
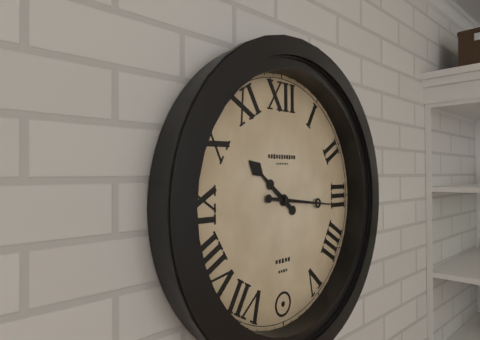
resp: 10,16
